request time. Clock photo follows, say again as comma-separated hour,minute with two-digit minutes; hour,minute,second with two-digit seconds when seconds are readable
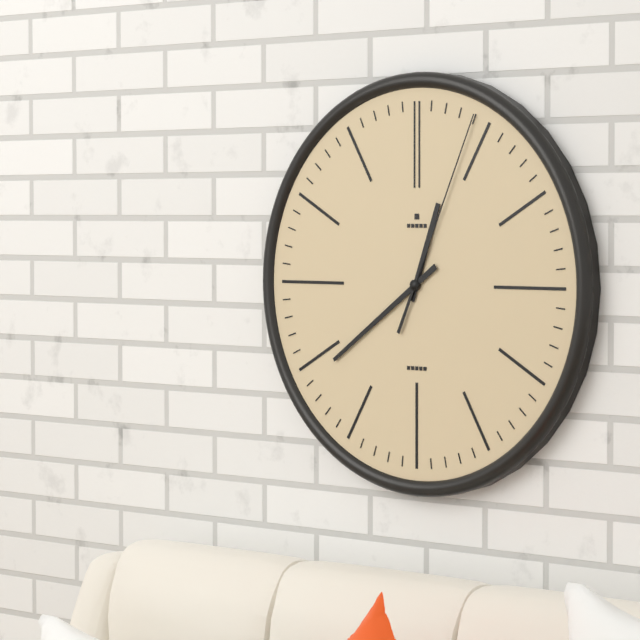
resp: 12,39,04
